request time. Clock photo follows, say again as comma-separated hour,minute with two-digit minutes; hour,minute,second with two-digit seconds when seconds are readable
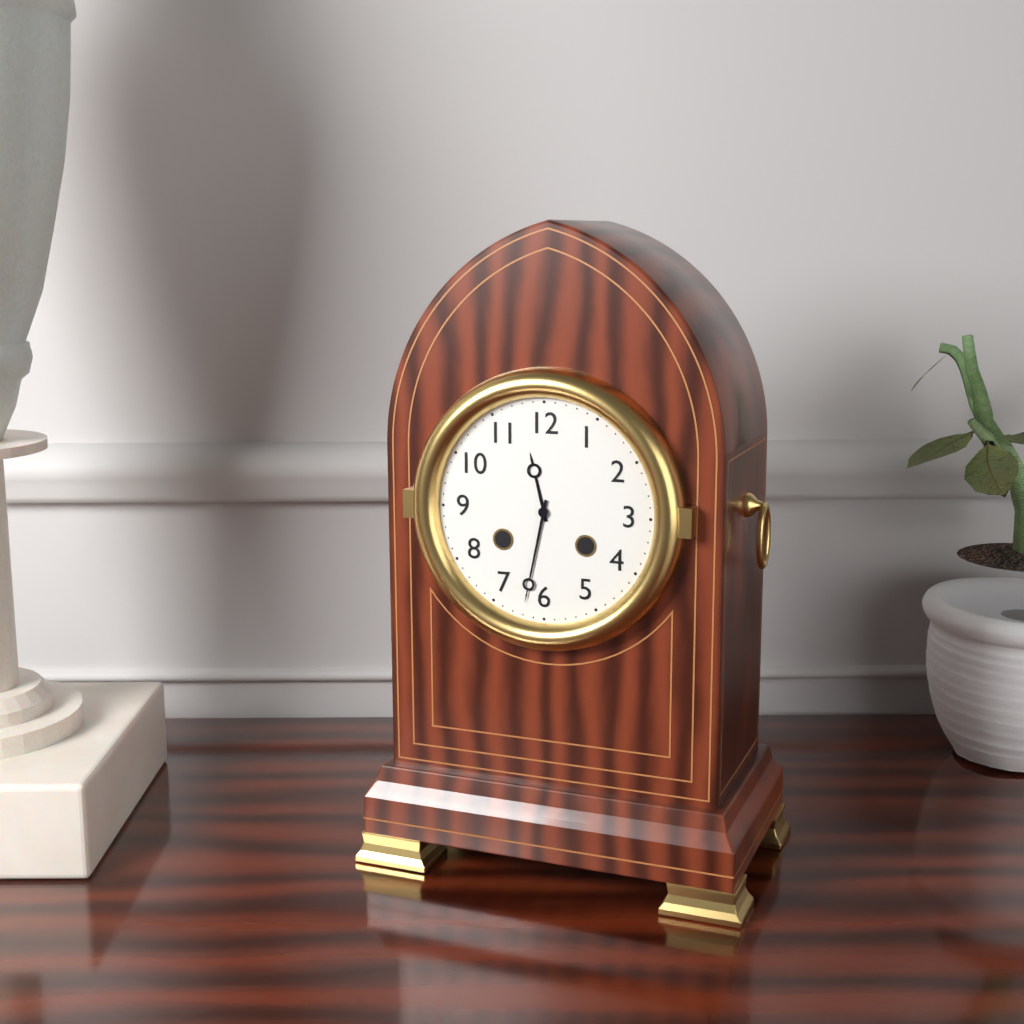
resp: 11,32
